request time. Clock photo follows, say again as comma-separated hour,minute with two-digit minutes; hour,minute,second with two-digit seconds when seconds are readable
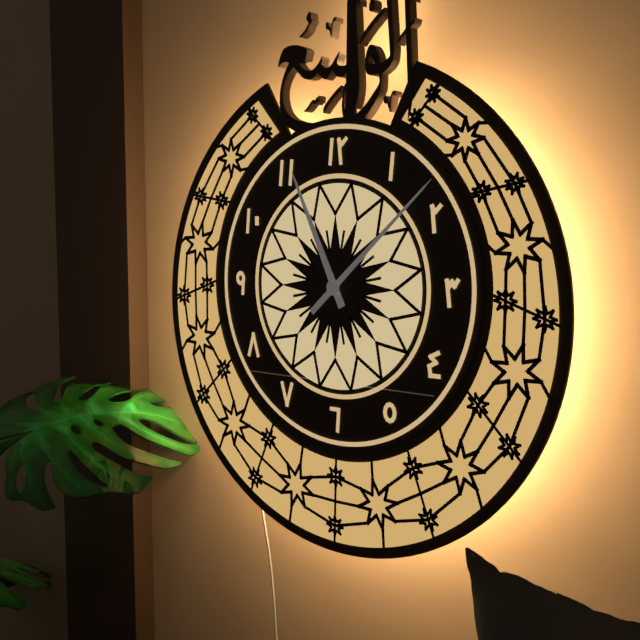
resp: 11,08
